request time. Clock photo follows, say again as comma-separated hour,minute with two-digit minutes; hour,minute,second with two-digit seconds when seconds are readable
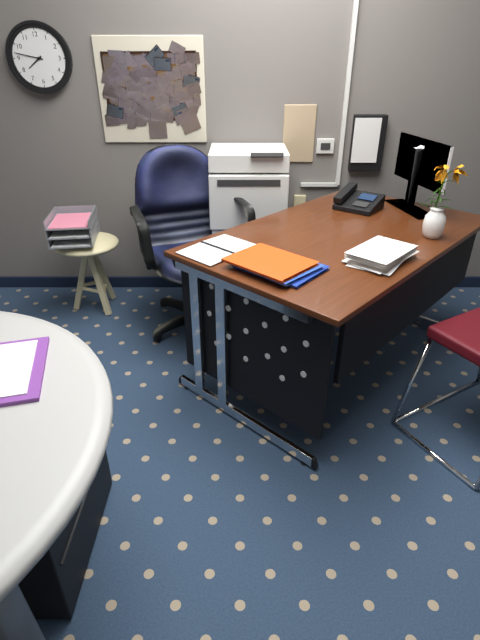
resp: 7,47
